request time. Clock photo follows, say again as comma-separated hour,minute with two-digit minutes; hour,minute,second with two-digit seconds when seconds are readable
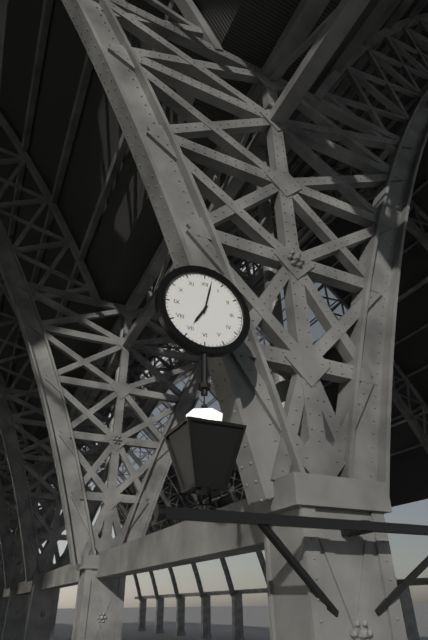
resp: 7,02
